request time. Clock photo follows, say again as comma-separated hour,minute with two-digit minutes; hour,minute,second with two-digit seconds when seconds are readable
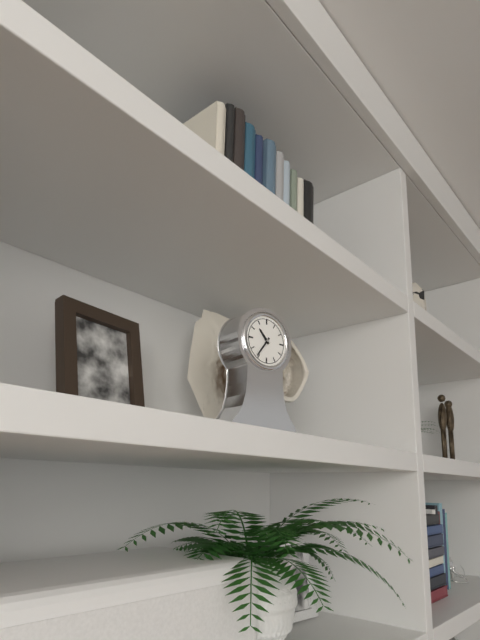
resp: 10,36
